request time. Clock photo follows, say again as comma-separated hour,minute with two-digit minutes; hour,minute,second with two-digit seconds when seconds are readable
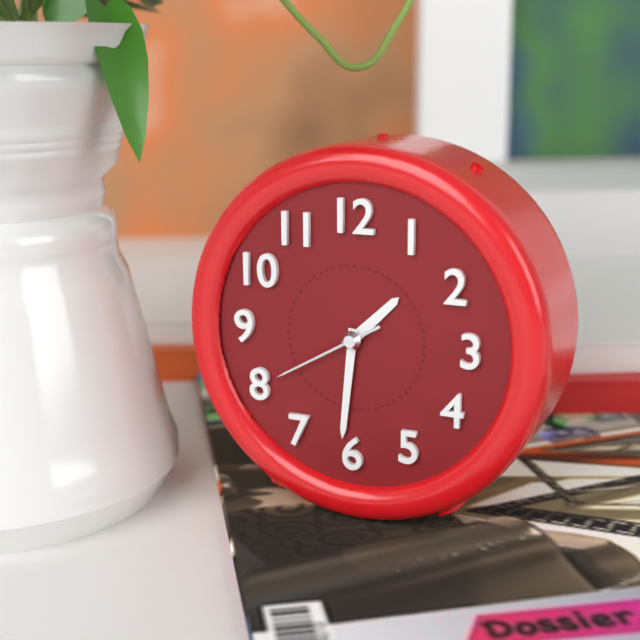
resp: 1,31,40
